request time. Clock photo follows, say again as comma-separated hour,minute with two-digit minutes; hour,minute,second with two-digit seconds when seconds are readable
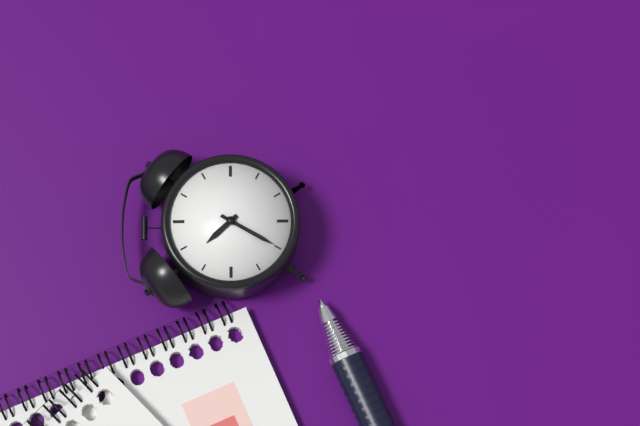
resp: 10,35
